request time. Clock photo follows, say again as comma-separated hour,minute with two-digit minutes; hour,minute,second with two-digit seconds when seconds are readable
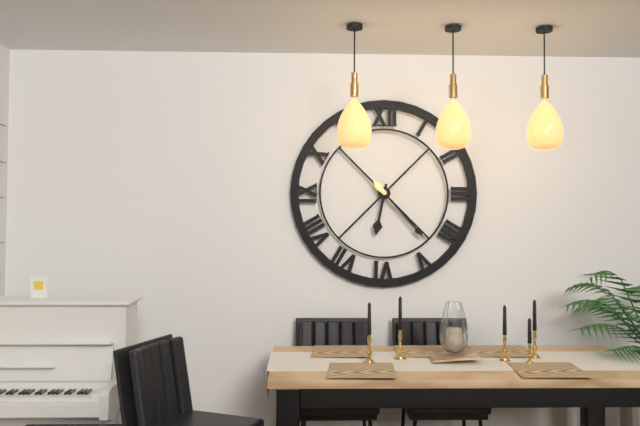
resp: 6,23
